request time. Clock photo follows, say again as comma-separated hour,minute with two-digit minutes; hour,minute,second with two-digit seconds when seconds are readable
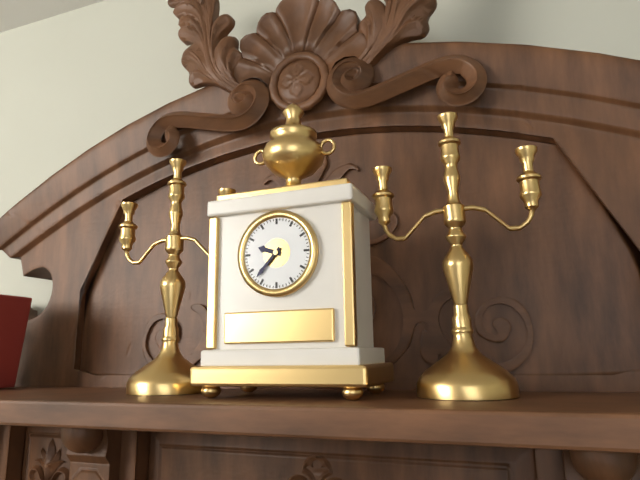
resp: 9,37
